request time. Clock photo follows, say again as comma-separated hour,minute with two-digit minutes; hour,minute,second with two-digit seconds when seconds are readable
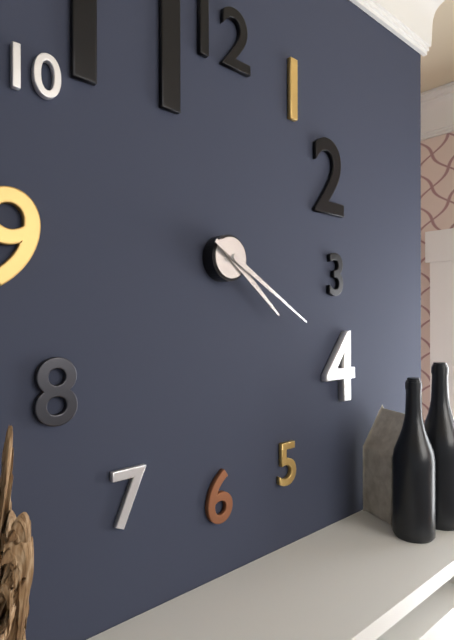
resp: 4,20
